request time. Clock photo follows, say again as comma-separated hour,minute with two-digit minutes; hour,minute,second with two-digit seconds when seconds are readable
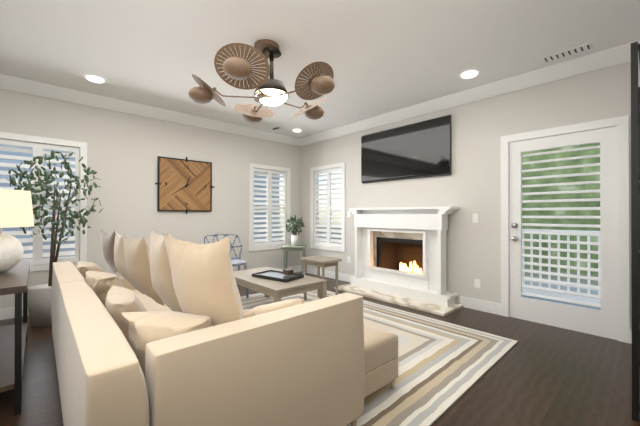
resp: 12,39
